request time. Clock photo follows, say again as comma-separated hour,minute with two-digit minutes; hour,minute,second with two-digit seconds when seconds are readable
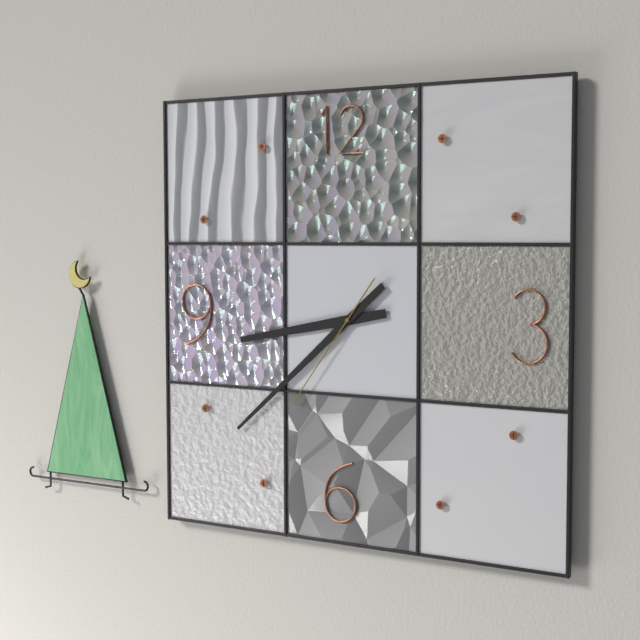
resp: 8,38,36
